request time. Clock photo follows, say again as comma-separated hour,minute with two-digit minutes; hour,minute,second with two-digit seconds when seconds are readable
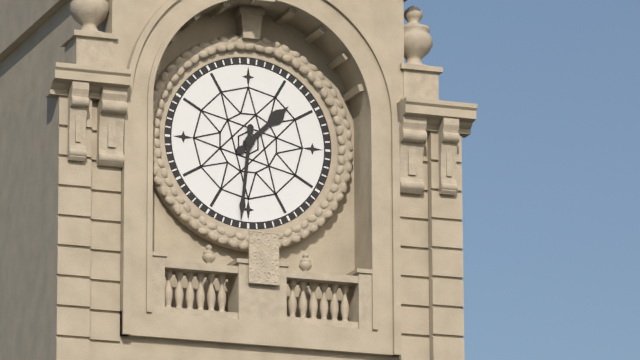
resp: 1,31
